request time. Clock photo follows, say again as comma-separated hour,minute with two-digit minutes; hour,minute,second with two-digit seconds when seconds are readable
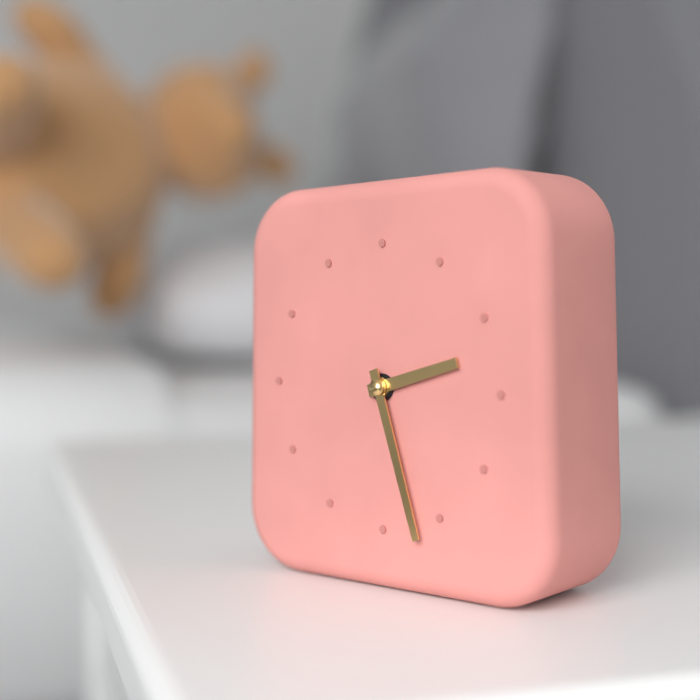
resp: 2,27
